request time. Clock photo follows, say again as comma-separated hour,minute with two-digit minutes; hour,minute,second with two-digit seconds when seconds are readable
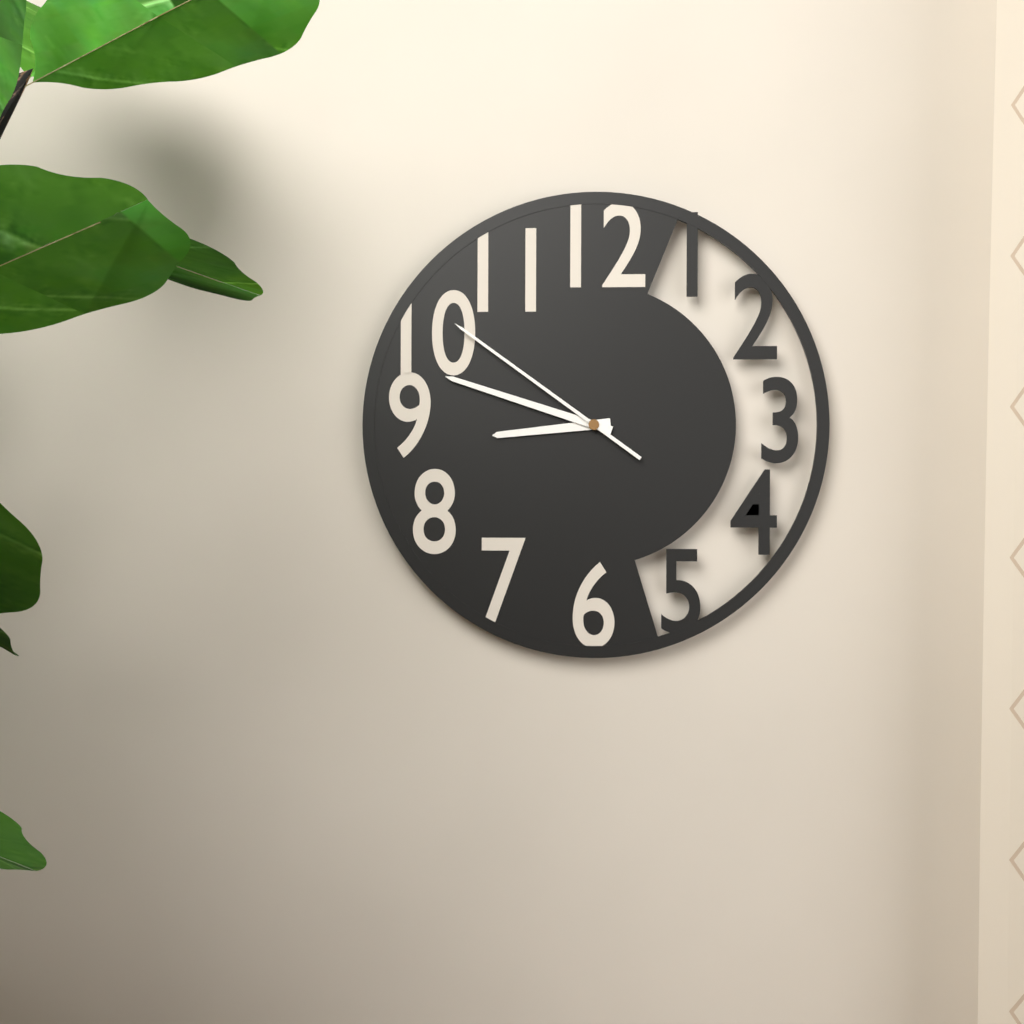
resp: 8,48,51
